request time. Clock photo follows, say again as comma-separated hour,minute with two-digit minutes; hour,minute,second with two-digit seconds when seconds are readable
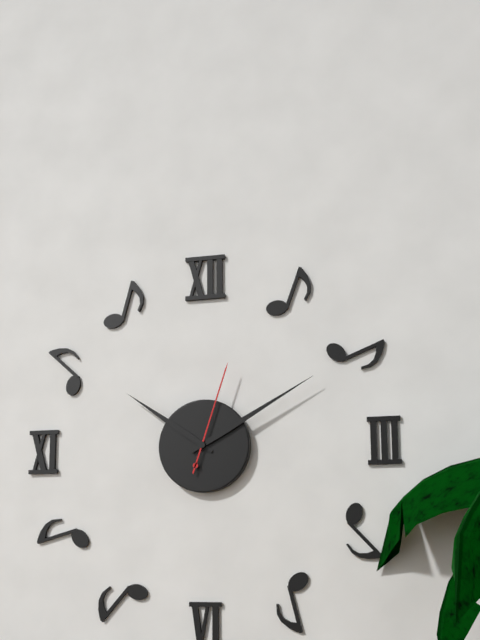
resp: 10,10,03
